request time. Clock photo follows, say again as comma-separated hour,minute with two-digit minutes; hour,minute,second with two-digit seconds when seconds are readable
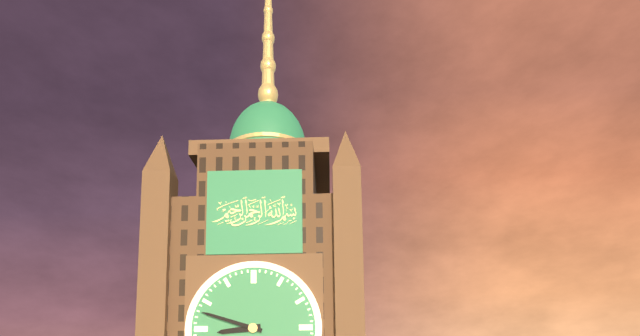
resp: 8,48
